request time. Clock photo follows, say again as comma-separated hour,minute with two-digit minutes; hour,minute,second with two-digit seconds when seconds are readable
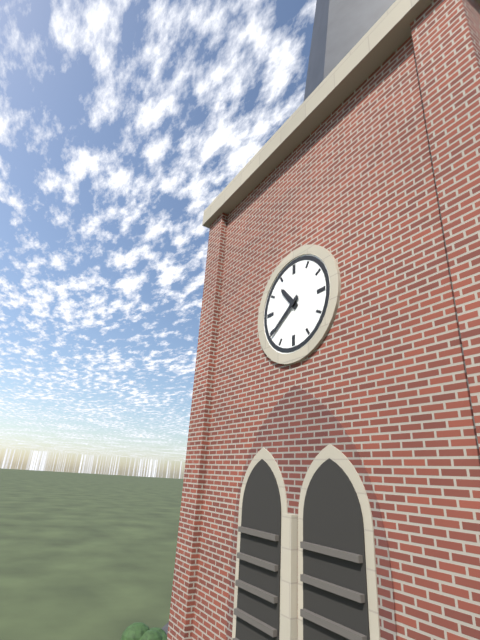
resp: 10,39
